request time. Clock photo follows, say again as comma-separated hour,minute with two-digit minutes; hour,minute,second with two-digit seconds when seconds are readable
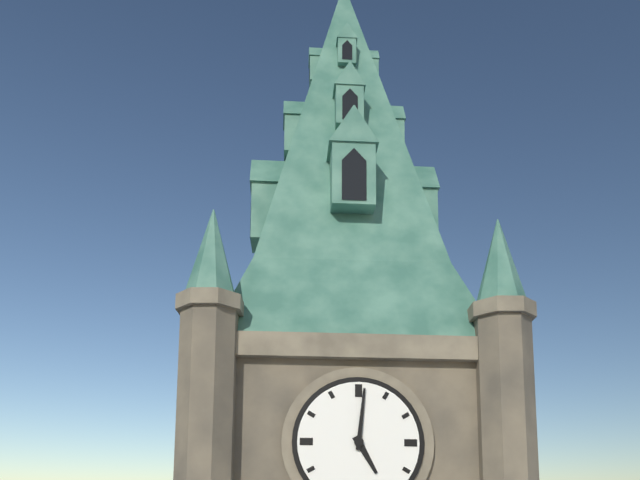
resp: 5,01
